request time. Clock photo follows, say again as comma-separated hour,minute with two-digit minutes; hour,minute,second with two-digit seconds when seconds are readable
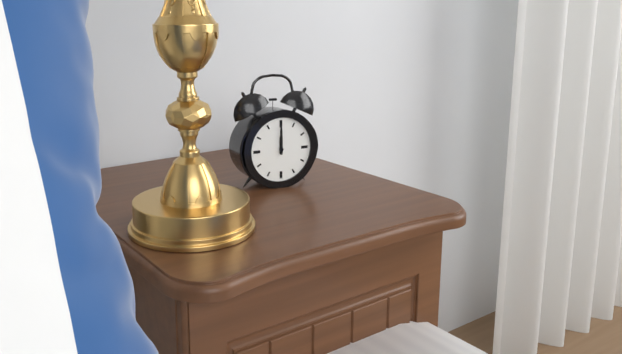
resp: 12,00
